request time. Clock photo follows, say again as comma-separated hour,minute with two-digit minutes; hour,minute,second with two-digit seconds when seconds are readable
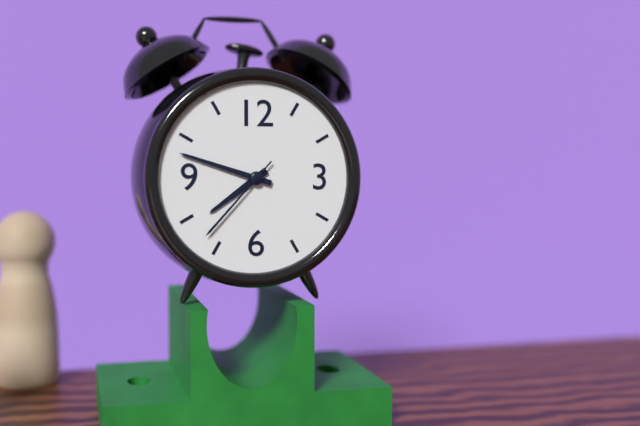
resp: 7,48,37
